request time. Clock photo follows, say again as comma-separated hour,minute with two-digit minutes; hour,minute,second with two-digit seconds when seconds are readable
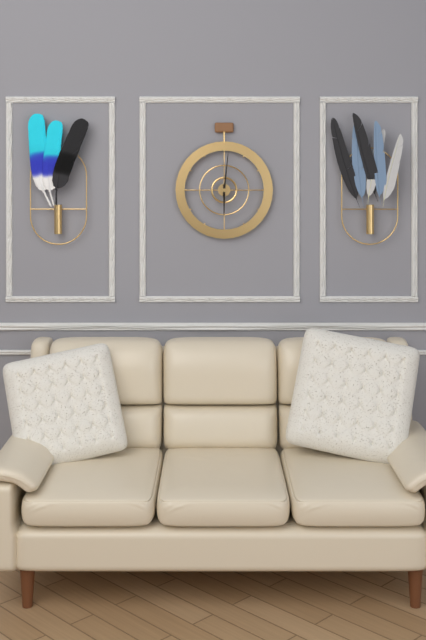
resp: 6,01
